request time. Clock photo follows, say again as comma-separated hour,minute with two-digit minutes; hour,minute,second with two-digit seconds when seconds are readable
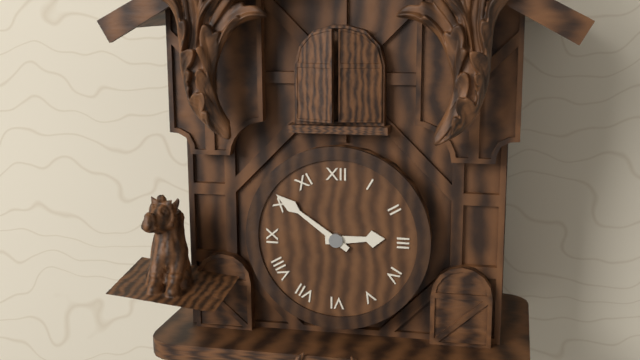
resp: 2,51
